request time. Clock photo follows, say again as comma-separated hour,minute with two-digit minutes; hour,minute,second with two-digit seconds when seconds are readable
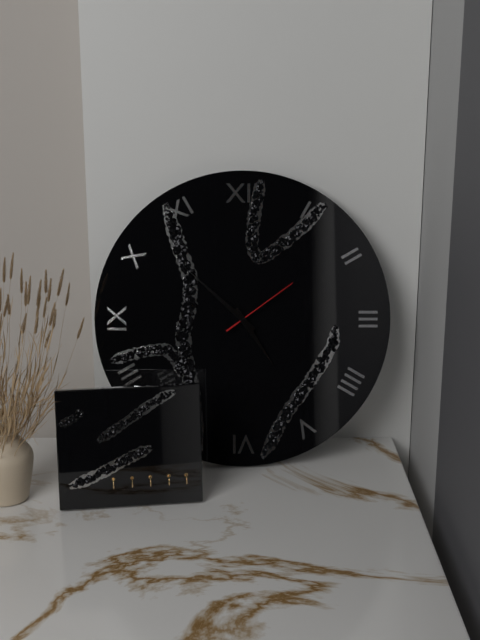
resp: 4,52,09
